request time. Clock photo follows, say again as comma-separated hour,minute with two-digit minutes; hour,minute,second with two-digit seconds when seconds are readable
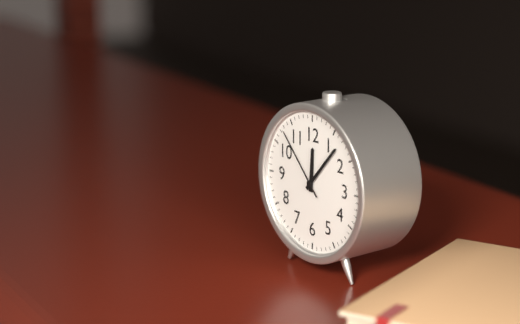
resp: 12,07,53
